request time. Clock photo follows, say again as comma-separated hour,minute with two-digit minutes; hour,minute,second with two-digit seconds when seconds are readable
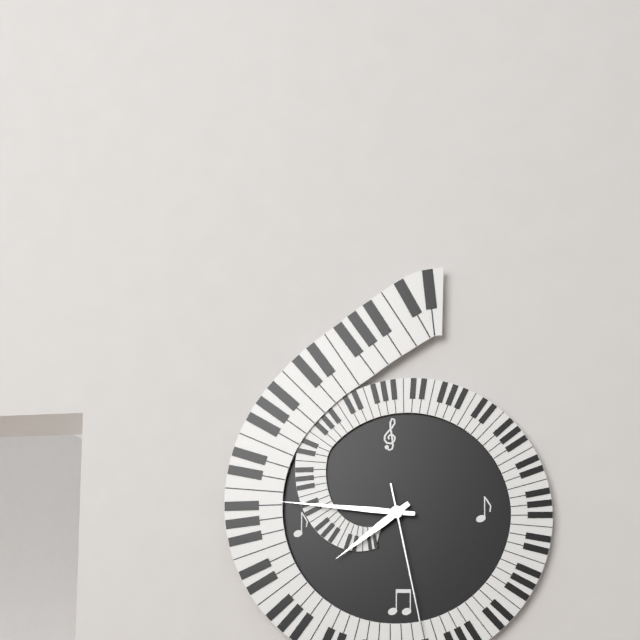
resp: 7,46,28
